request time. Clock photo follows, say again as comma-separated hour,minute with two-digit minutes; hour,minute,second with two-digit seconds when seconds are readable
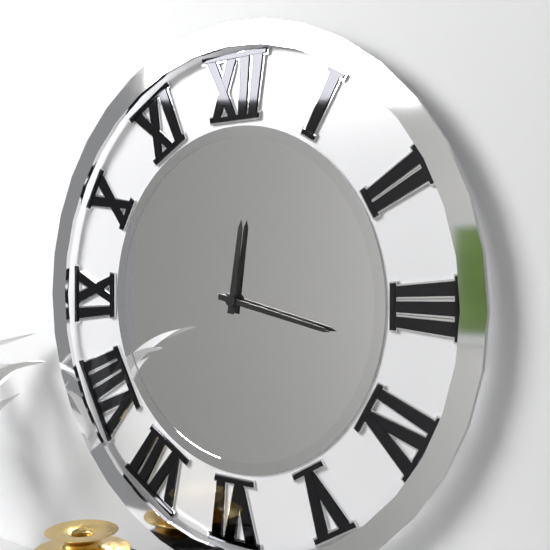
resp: 12,17
